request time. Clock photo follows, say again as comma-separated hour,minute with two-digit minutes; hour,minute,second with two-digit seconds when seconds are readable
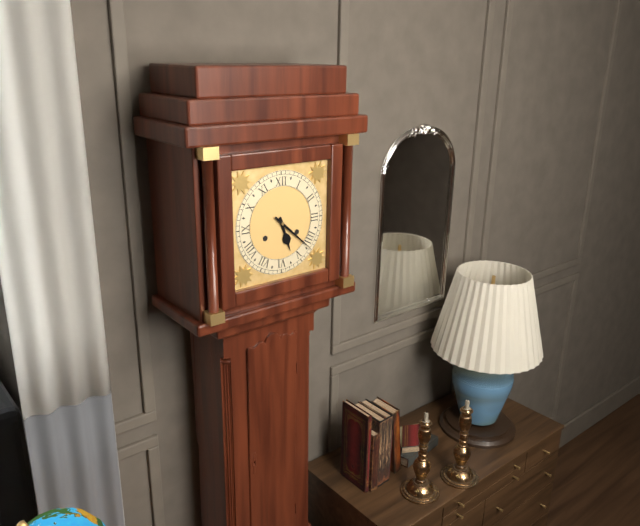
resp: 5,22
